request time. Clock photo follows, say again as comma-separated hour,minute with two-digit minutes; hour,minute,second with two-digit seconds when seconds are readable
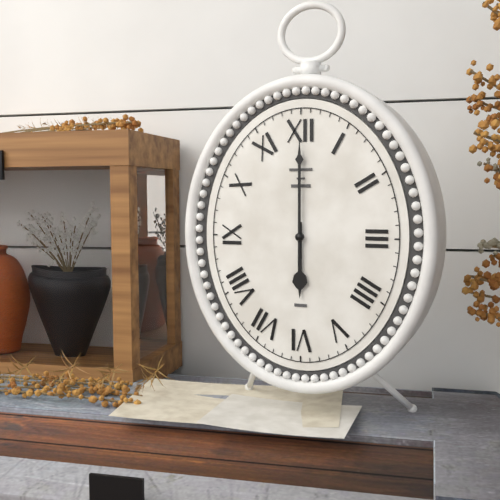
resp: 6,00
